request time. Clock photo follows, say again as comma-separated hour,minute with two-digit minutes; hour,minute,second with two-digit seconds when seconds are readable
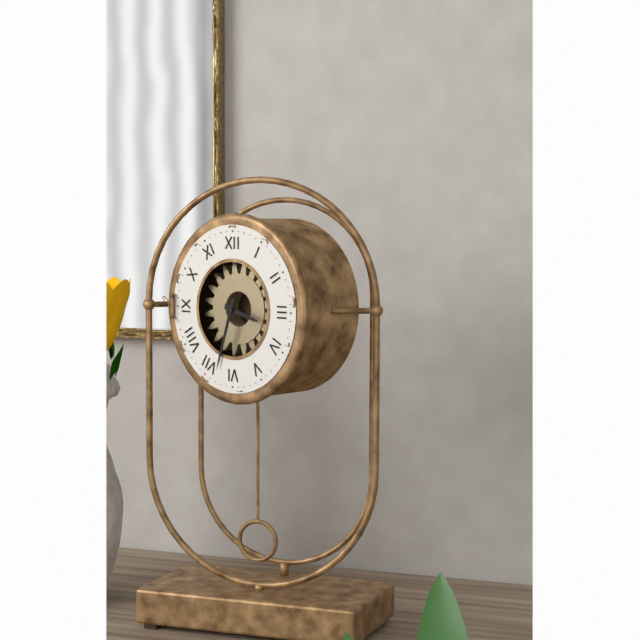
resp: 3,33
